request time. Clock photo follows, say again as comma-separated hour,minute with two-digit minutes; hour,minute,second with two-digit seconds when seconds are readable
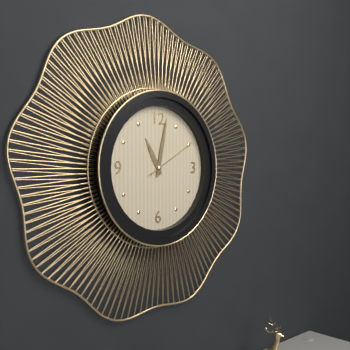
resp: 11,02,10
